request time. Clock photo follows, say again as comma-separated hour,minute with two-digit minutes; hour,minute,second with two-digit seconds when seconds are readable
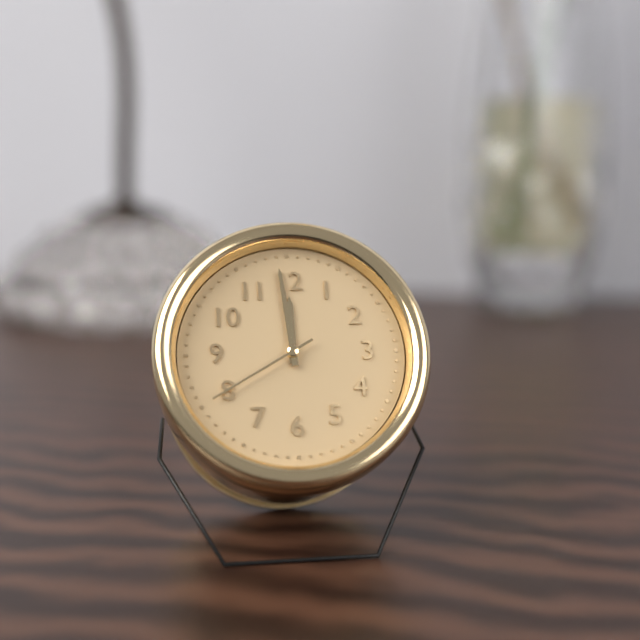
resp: 11,59,40
